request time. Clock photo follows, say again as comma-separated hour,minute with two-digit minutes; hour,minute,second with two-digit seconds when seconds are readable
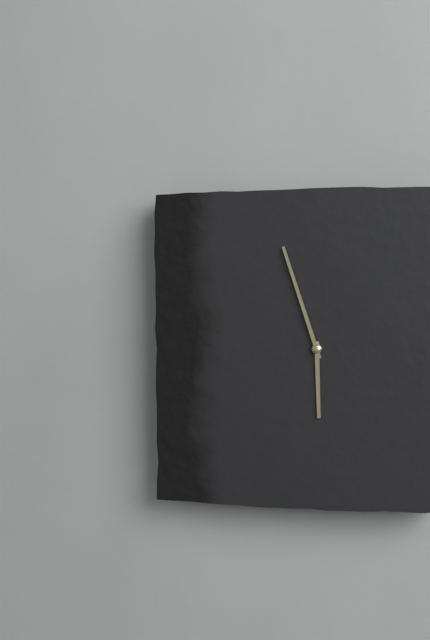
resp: 5,57
